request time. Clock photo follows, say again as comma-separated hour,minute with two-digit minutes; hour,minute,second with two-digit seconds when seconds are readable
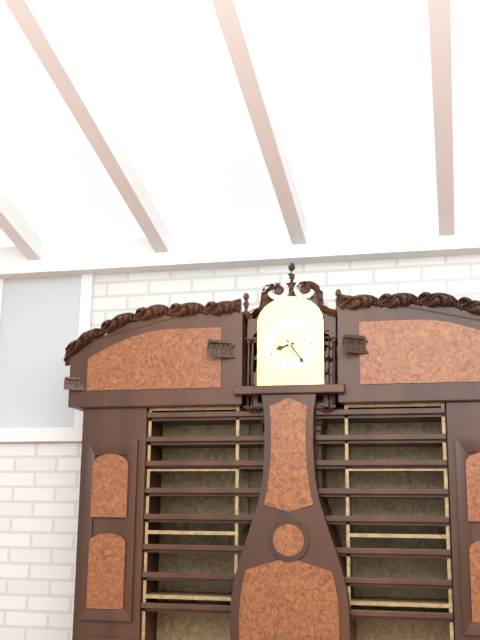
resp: 8,24
